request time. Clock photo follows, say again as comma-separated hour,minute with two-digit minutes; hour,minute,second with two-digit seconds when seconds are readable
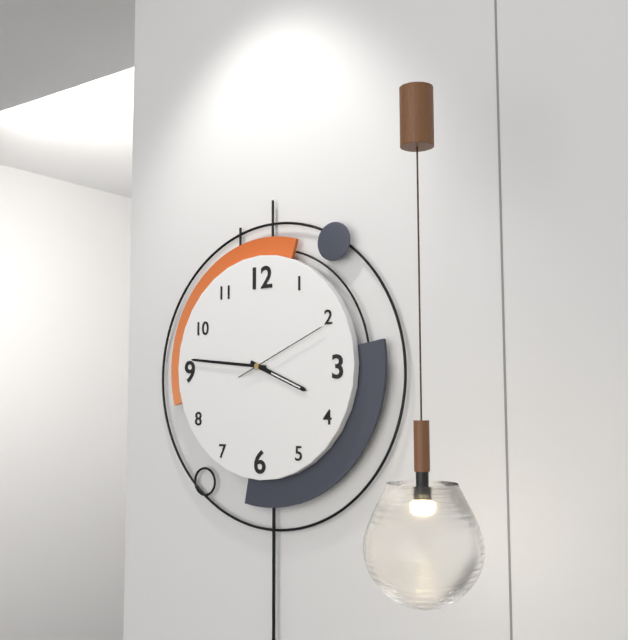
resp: 3,46,11
